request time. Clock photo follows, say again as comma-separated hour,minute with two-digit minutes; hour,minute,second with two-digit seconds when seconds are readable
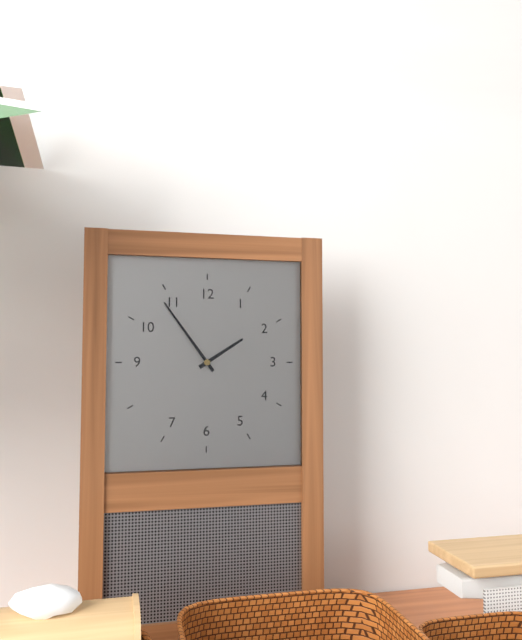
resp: 1,54
